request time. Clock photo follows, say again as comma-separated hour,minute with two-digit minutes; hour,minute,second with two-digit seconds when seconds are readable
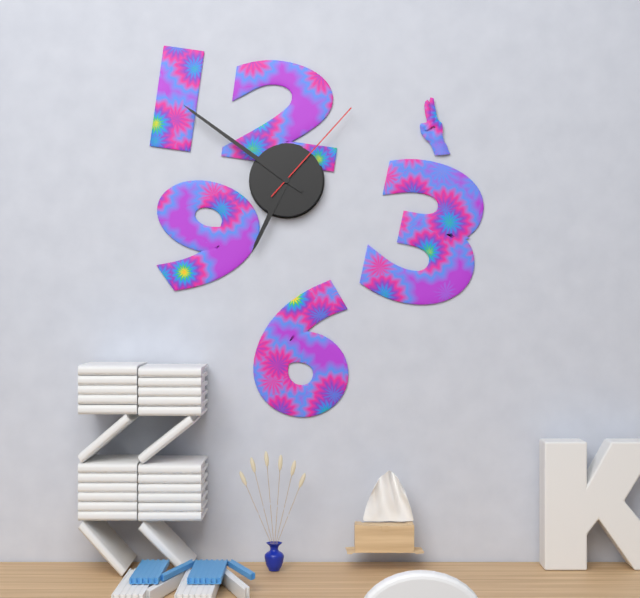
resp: 6,51,07
